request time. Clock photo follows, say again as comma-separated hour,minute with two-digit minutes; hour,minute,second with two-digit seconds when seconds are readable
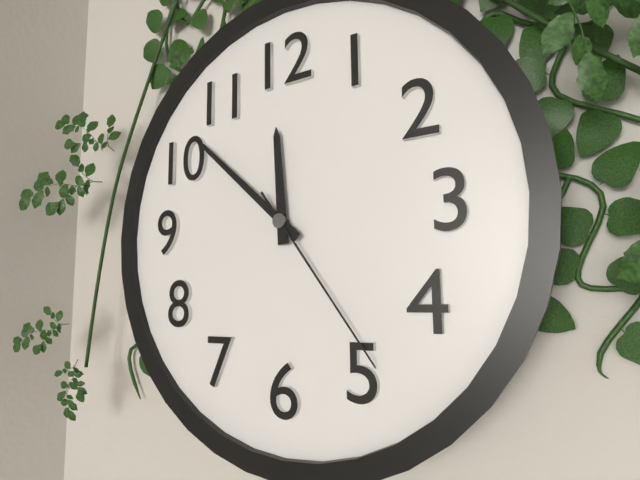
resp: 11,52,24
